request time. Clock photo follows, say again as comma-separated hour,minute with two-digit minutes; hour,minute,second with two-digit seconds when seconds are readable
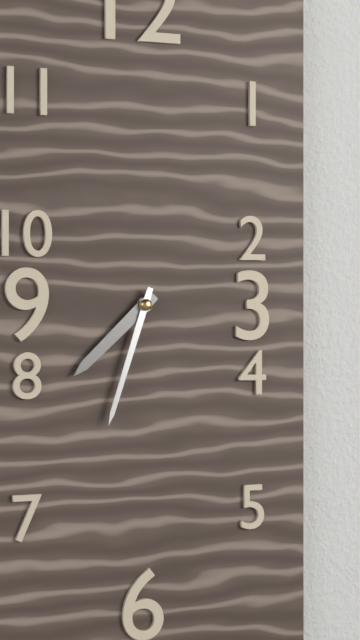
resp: 7,33
